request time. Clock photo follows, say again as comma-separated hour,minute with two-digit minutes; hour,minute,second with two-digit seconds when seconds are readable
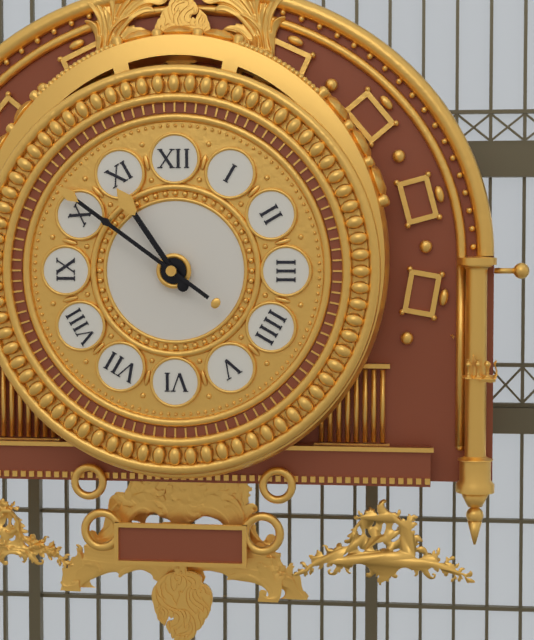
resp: 10,51
